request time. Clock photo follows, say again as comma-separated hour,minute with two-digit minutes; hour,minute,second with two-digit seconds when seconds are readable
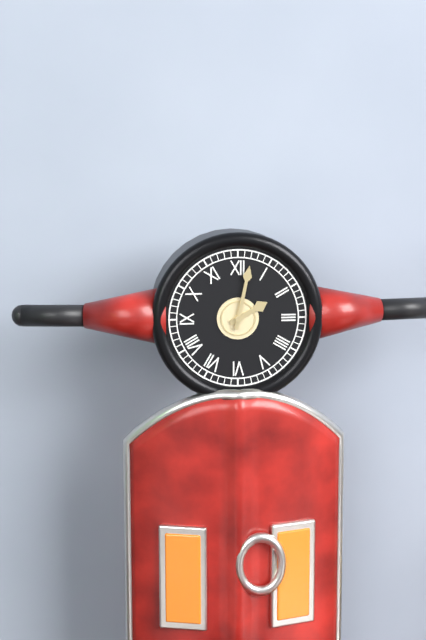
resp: 2,02
